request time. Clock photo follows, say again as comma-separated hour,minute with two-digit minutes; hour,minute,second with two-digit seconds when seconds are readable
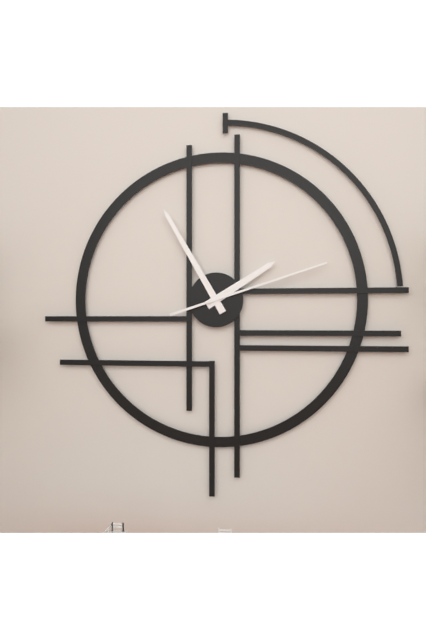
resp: 1,55,12
